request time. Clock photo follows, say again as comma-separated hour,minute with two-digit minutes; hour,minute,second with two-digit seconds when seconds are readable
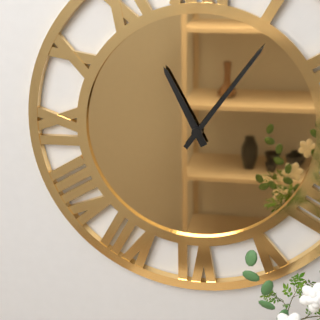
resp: 11,06
